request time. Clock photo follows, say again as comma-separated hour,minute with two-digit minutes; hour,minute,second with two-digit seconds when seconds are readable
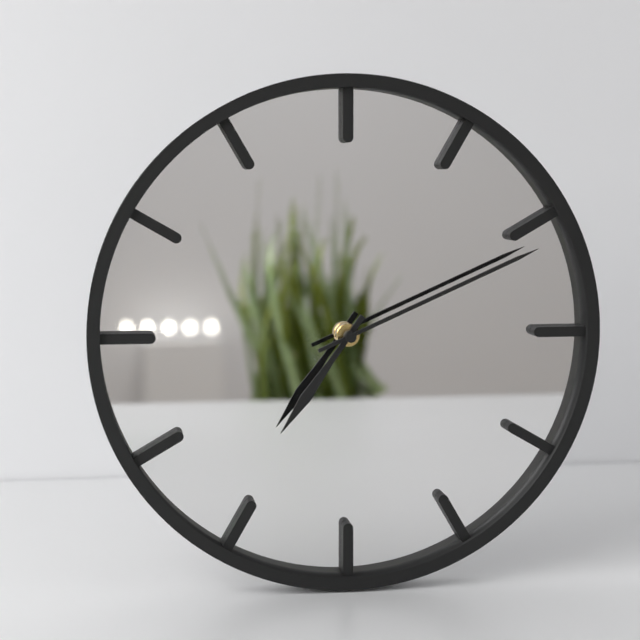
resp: 7,11
